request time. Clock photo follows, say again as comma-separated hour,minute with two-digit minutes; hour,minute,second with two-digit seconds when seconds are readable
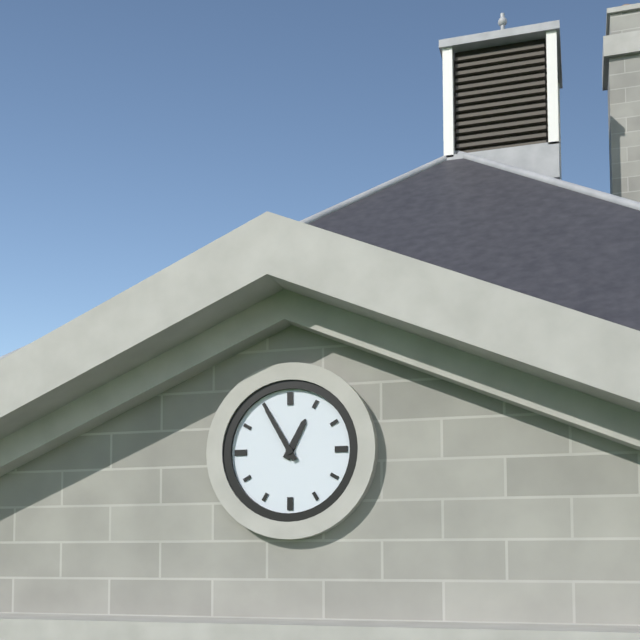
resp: 12,55
